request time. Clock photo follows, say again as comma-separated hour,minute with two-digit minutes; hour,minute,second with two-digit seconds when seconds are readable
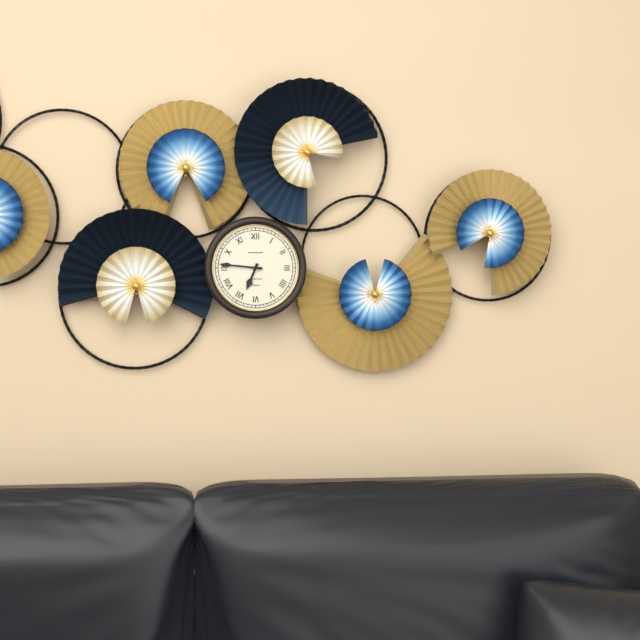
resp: 6,46
